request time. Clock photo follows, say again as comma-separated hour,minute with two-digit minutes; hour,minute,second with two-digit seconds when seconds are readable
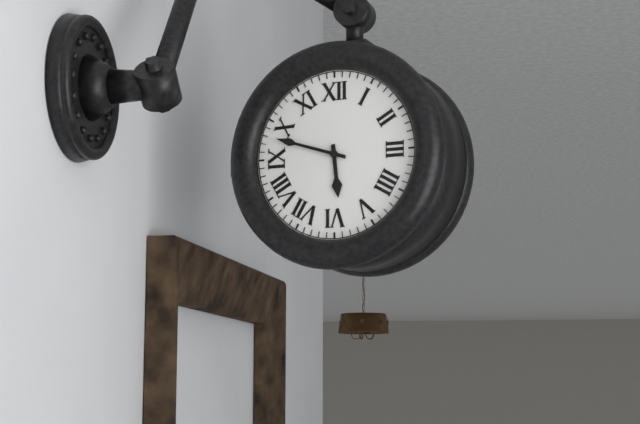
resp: 5,48
